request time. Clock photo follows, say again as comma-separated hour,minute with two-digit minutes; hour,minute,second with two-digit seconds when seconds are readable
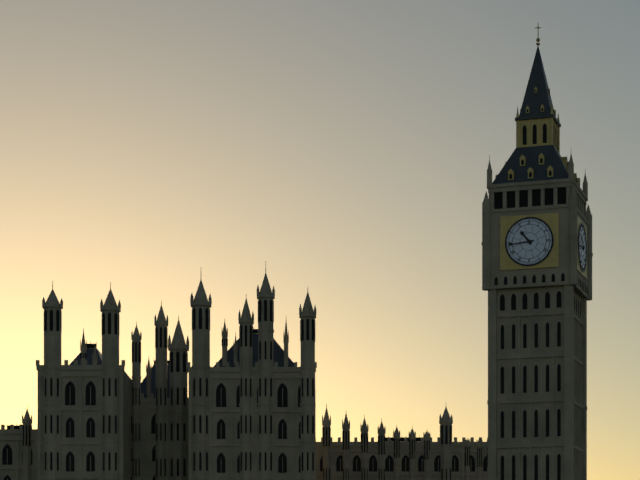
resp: 10,44
